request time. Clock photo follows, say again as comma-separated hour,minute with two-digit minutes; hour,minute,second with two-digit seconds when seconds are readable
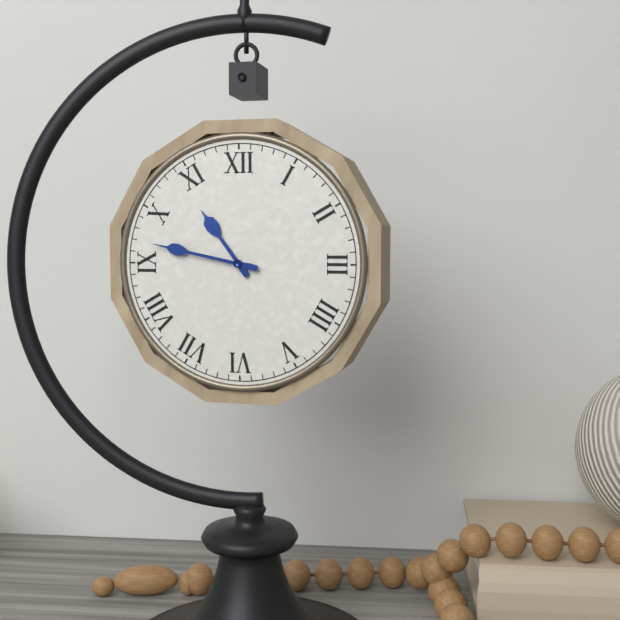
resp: 10,47
